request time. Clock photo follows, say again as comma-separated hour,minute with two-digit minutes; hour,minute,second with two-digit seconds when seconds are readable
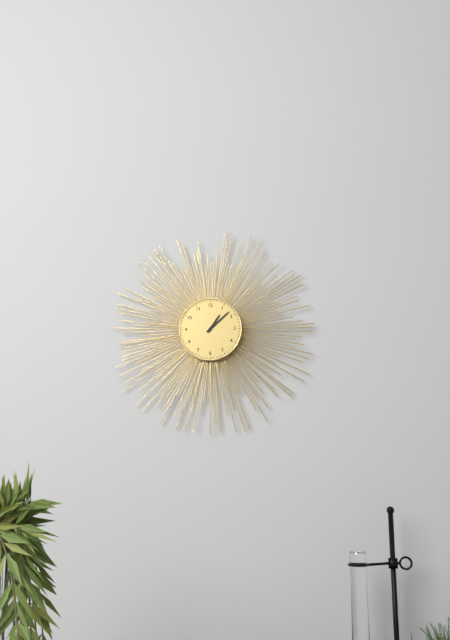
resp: 1,08
